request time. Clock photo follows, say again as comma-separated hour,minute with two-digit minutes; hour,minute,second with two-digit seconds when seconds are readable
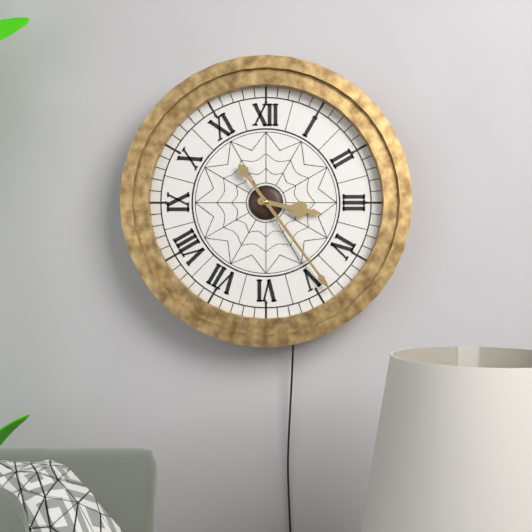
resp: 3,24
